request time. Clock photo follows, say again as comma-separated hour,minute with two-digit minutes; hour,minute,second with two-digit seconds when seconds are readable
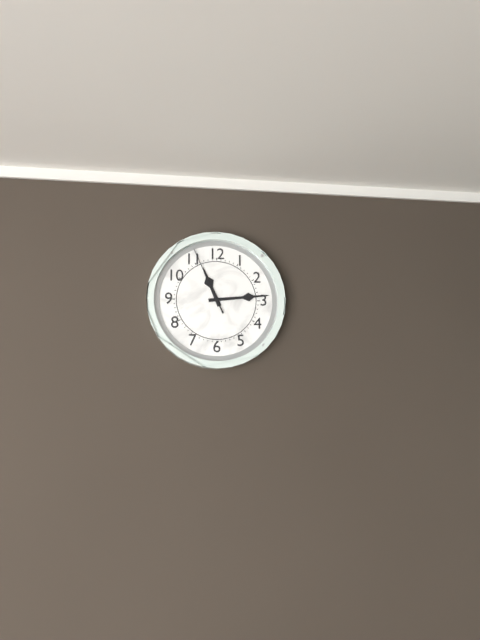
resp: 11,14,56
